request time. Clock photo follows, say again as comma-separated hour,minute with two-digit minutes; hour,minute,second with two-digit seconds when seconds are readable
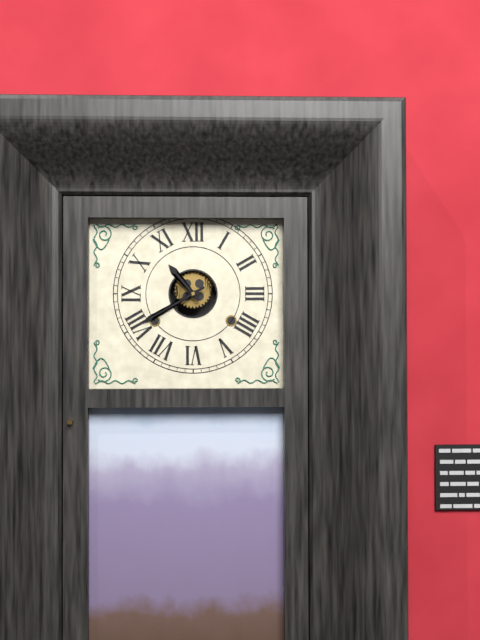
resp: 10,40
